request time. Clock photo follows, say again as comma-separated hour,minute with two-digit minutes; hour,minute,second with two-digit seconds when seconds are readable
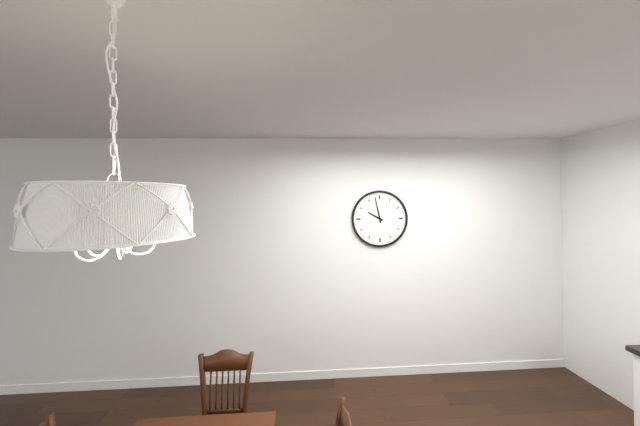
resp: 9,58
